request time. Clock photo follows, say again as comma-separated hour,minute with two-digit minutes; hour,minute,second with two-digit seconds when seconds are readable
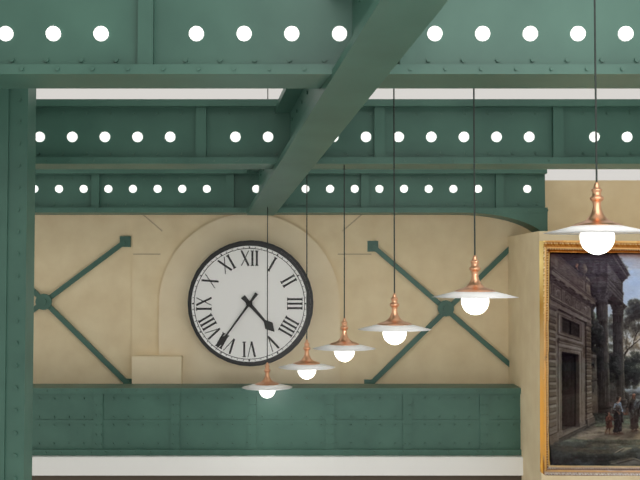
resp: 4,36
